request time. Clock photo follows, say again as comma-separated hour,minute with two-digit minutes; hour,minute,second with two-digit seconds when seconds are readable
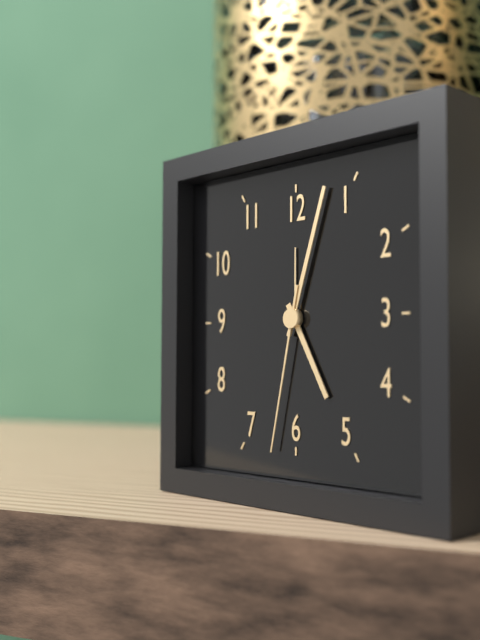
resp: 5,03,32
